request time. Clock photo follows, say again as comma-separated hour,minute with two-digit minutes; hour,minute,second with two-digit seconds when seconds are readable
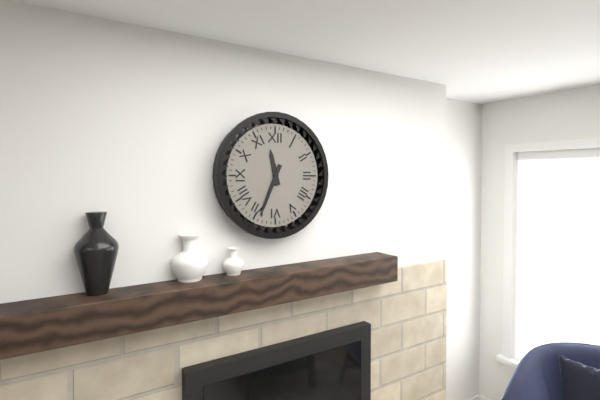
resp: 11,34
